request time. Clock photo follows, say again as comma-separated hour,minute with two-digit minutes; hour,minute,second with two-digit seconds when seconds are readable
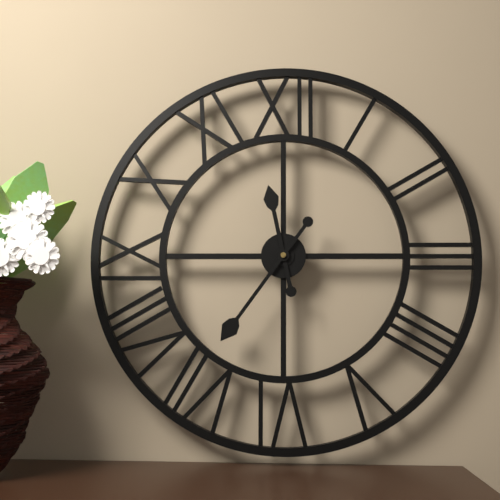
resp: 11,36
